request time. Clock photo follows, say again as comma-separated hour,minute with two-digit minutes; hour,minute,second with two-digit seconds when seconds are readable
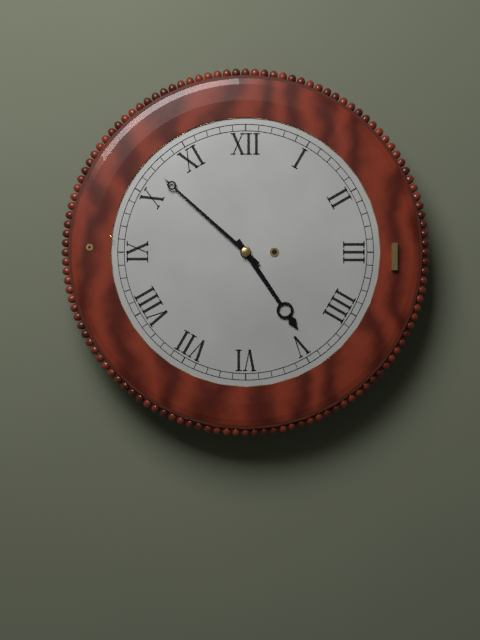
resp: 4,52
